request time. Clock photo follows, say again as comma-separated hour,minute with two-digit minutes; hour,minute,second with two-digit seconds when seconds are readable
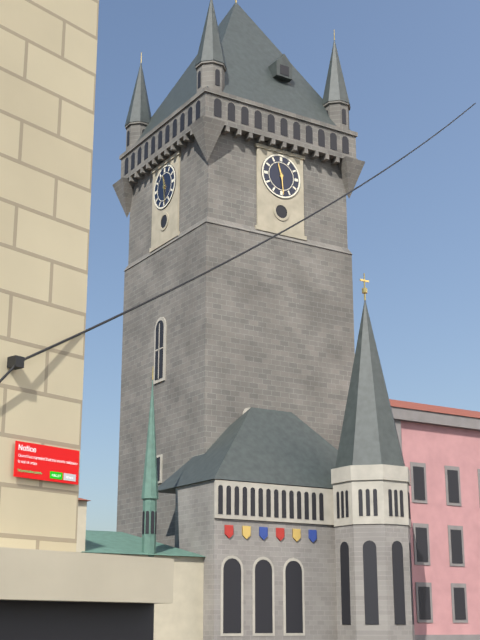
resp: 11,29
